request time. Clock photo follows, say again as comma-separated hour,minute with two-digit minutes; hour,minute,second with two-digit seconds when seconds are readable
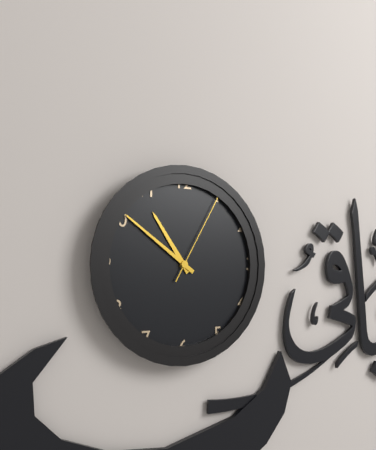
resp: 10,51,05
